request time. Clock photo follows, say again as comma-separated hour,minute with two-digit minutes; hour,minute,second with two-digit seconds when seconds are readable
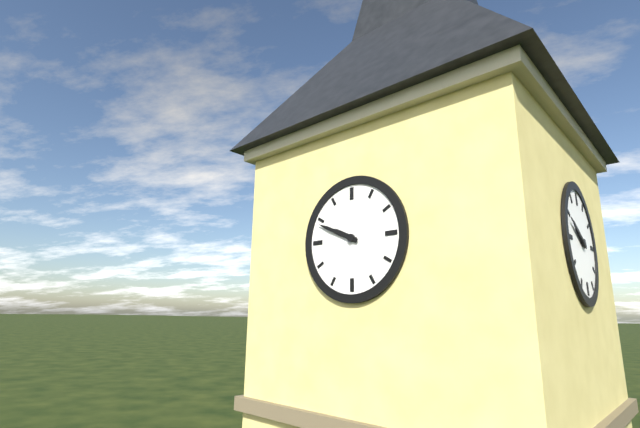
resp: 9,49
